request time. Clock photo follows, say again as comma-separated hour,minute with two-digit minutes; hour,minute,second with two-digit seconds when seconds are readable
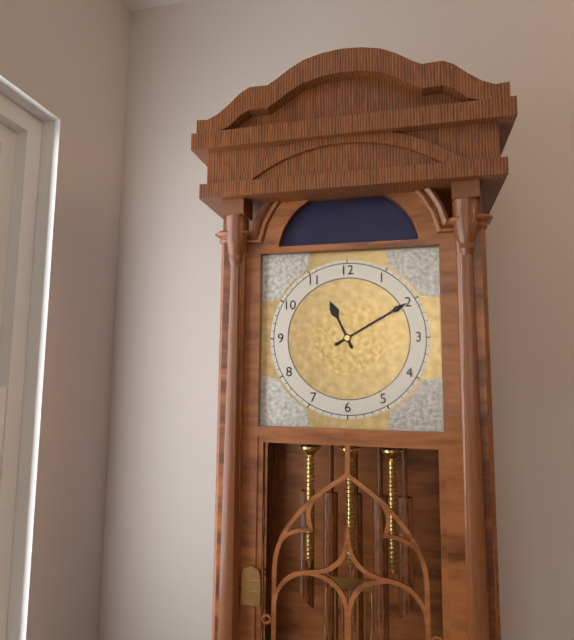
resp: 11,10
